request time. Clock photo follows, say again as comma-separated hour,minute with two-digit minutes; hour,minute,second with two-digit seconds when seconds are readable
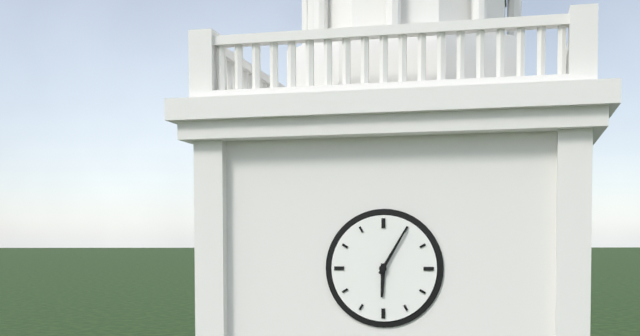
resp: 6,05
